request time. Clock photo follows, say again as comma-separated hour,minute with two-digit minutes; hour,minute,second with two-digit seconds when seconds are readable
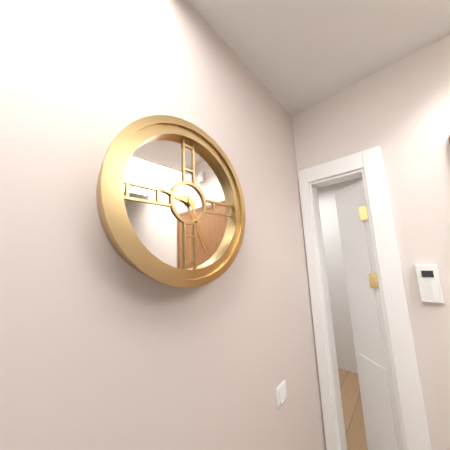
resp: 9,26
